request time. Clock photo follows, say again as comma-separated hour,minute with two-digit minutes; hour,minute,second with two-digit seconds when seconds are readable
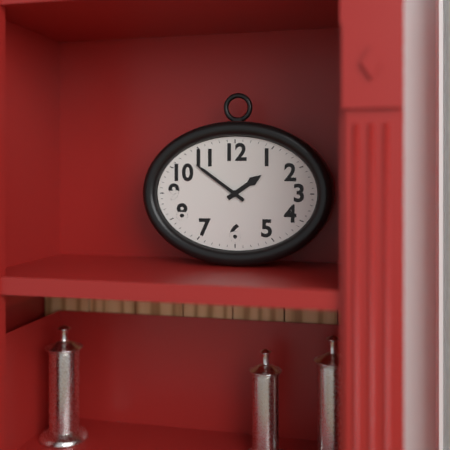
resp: 1,51
